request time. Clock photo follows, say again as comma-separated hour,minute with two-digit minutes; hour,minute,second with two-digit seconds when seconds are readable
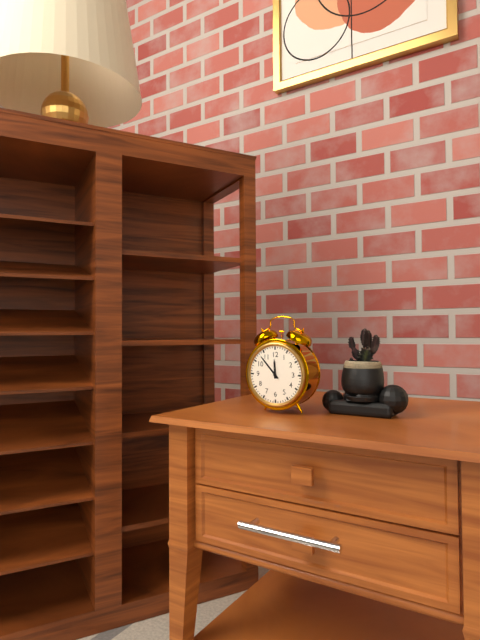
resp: 11,53
